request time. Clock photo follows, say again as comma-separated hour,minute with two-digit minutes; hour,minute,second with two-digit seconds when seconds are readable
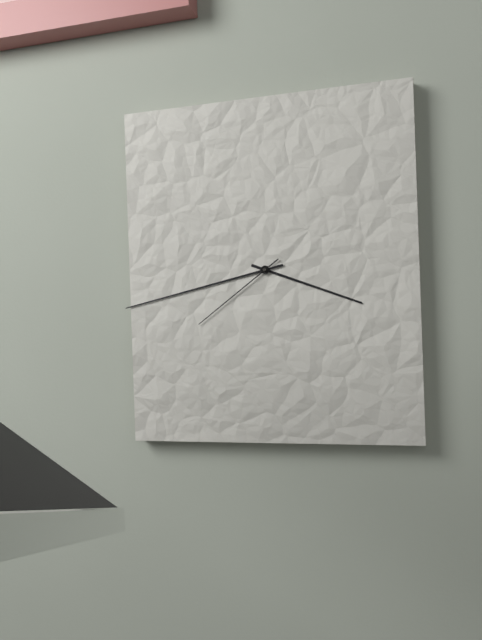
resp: 3,43,39
